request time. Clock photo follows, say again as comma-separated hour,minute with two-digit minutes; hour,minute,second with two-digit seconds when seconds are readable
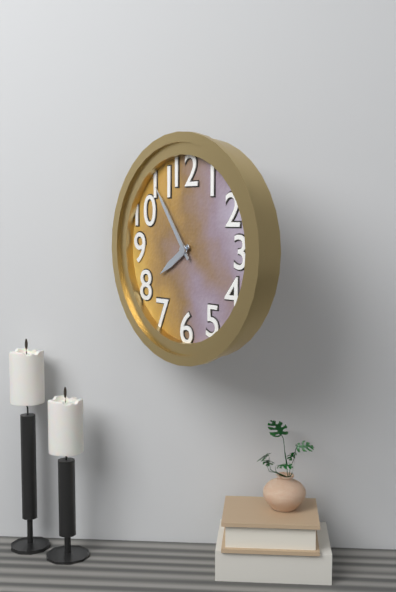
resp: 7,54
